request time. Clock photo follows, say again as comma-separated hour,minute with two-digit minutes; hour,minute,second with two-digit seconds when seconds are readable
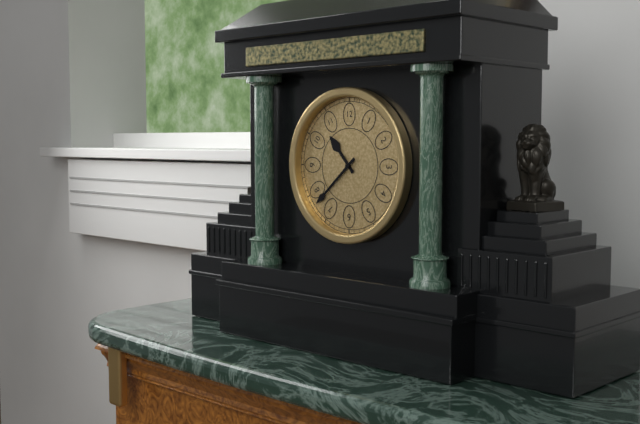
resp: 10,38
